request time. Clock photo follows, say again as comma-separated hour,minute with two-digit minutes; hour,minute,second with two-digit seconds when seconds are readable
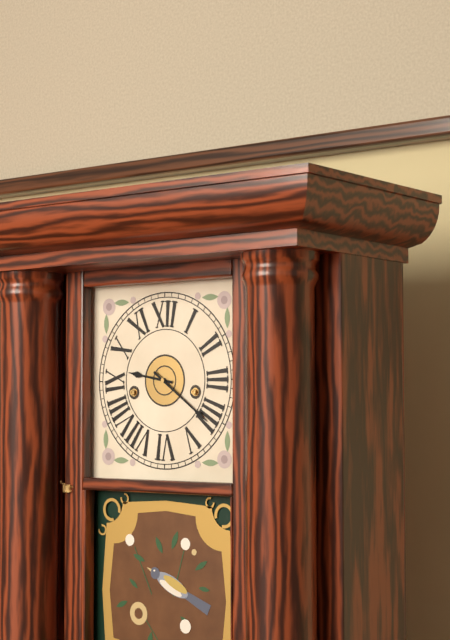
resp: 9,21
